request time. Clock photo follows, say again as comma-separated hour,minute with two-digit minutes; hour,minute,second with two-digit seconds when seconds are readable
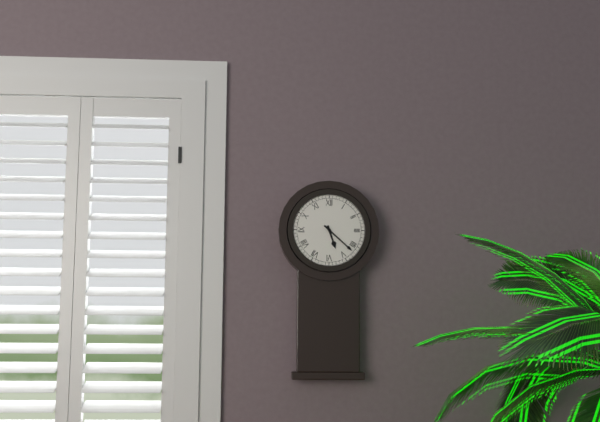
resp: 5,22
